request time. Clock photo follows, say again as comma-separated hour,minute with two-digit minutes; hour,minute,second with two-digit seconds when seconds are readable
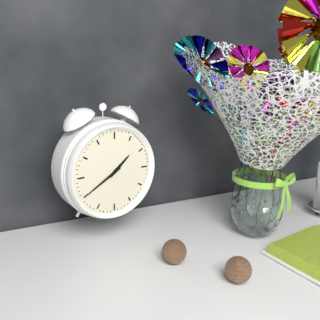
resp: 1,40
